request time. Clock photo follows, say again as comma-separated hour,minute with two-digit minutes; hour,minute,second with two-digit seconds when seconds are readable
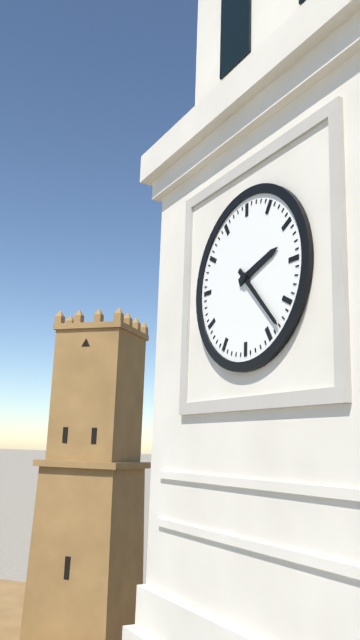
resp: 2,23
